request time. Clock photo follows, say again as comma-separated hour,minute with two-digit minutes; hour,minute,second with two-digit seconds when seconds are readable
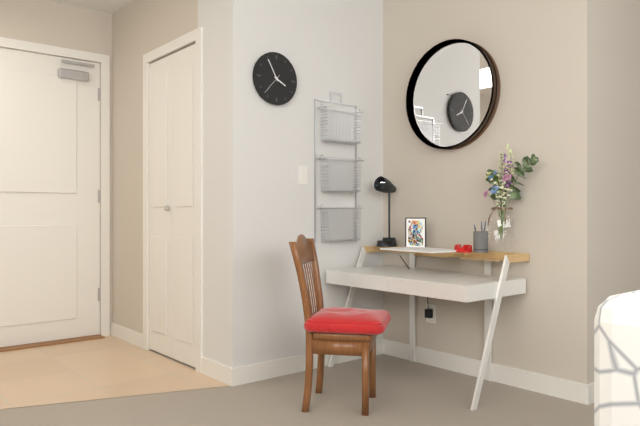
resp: 3,55
